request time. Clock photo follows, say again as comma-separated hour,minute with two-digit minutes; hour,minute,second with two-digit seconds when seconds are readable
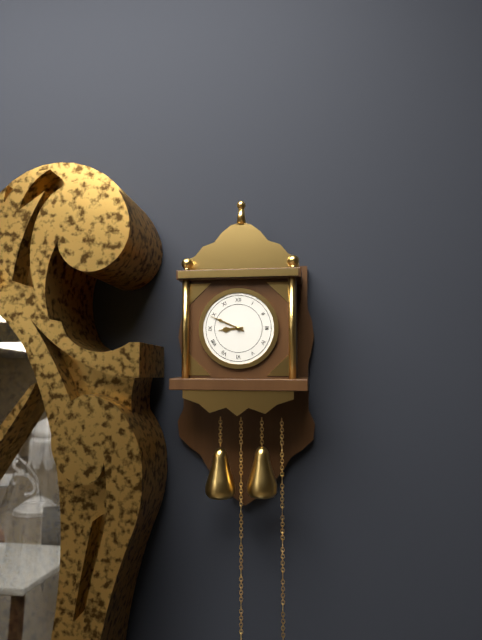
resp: 8,49
